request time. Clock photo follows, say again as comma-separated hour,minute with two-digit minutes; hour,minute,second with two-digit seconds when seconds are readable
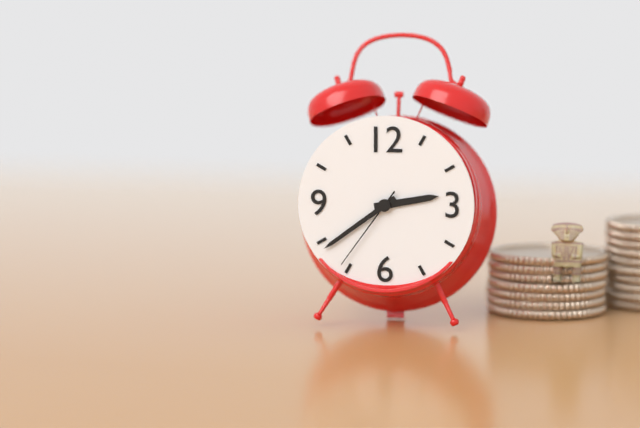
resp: 2,39,36
